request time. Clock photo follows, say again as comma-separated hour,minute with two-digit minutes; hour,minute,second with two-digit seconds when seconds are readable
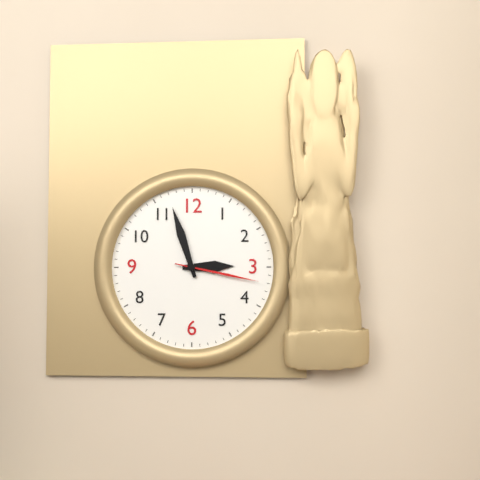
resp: 2,57,17
